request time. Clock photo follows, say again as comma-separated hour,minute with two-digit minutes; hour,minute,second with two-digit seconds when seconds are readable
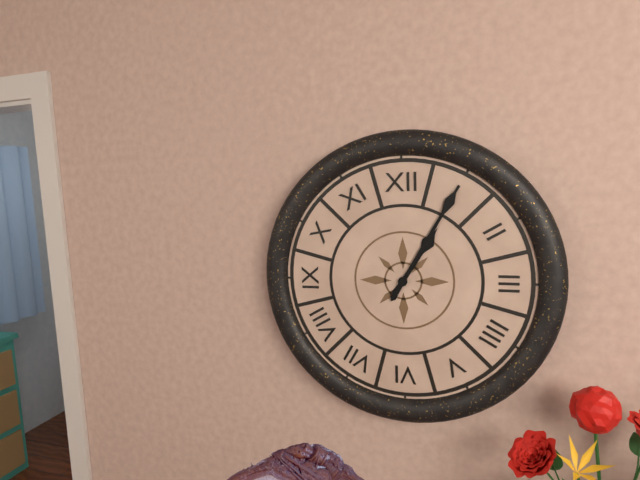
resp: 1,05
